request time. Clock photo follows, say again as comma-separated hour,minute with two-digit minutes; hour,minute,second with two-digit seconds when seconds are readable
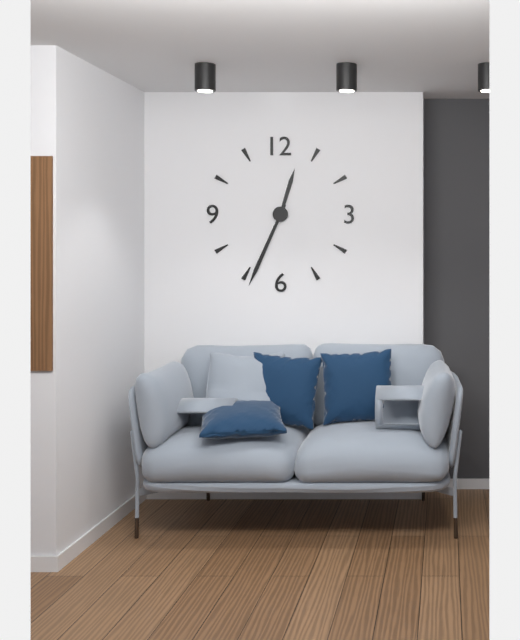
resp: 12,34
